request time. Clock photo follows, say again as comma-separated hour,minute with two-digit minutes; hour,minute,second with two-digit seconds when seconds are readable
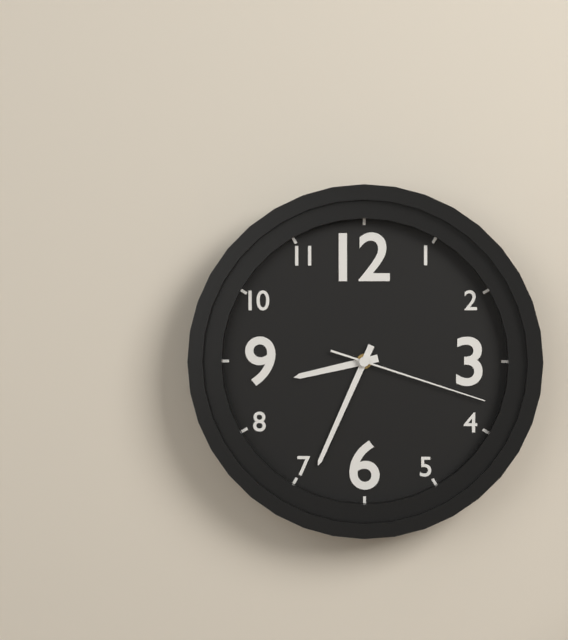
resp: 8,34,18
